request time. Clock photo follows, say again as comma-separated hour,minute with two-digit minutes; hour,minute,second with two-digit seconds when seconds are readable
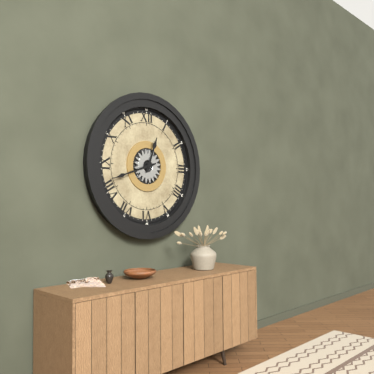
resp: 12,42
